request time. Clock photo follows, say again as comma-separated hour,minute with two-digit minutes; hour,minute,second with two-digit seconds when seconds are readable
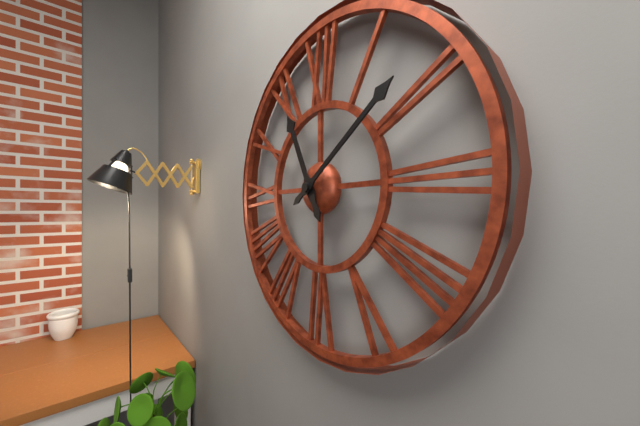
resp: 11,09
